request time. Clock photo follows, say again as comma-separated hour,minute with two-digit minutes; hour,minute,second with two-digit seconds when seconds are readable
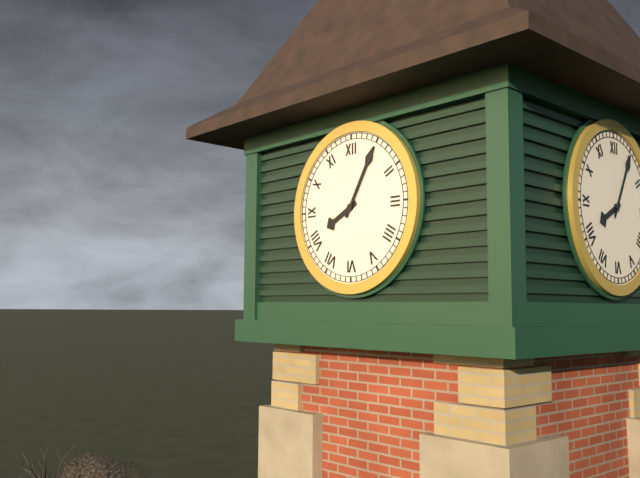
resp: 8,05
